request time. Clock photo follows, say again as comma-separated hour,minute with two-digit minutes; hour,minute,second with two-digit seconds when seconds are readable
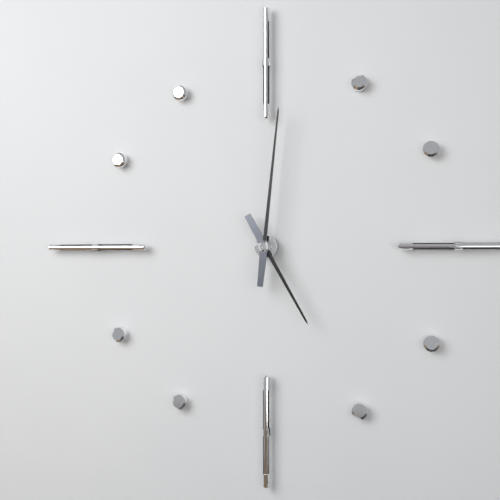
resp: 5,01
